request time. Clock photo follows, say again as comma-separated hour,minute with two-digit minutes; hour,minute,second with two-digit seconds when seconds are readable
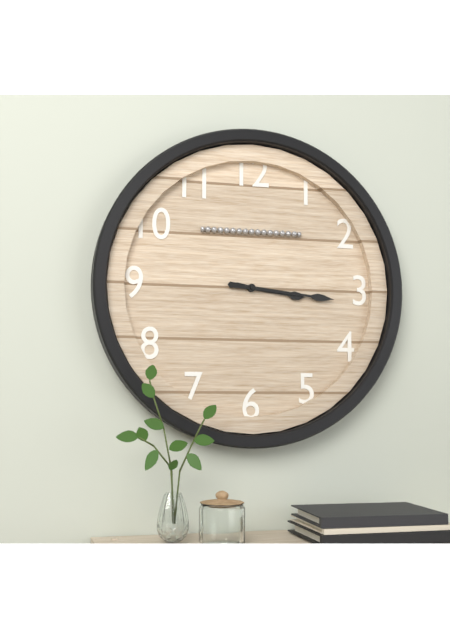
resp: 3,16
